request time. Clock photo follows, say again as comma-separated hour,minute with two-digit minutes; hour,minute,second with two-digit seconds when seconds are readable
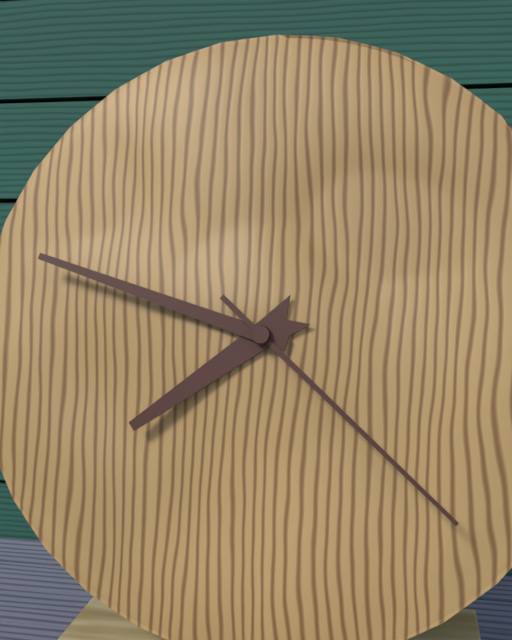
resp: 7,48,22
